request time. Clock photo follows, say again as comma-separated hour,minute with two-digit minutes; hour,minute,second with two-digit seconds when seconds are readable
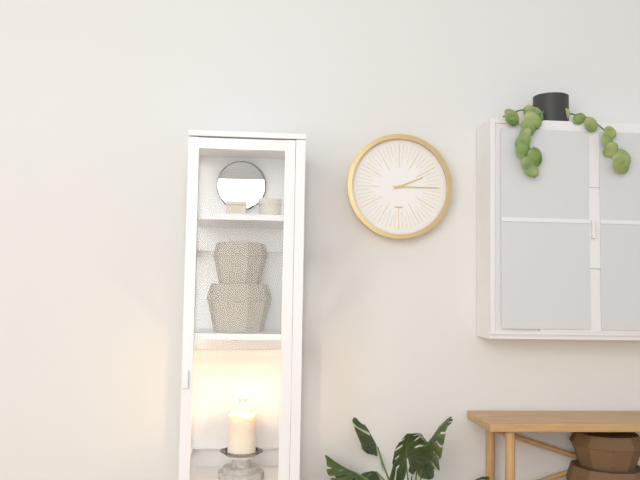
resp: 2,15
